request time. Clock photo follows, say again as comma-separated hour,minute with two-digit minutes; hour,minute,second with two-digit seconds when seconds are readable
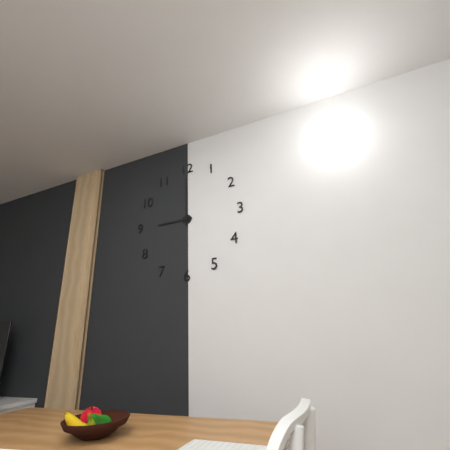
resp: 9,00
